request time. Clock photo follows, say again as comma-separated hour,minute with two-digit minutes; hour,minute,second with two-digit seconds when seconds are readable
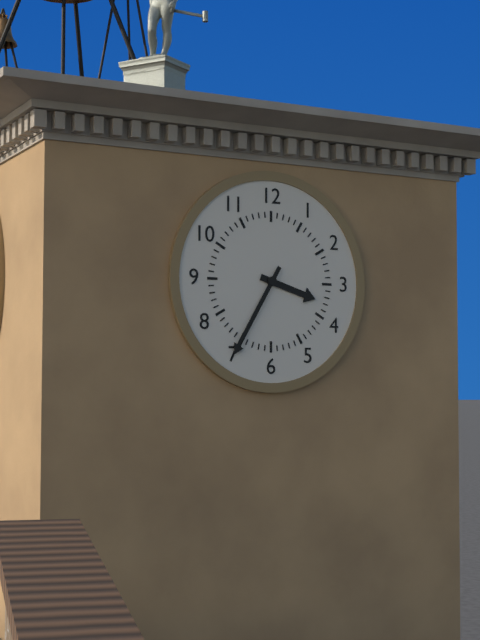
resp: 3,35
